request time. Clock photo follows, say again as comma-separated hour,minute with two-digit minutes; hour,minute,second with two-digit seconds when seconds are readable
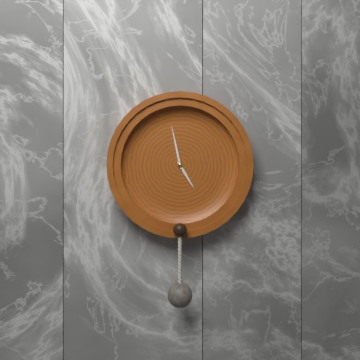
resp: 4,58
